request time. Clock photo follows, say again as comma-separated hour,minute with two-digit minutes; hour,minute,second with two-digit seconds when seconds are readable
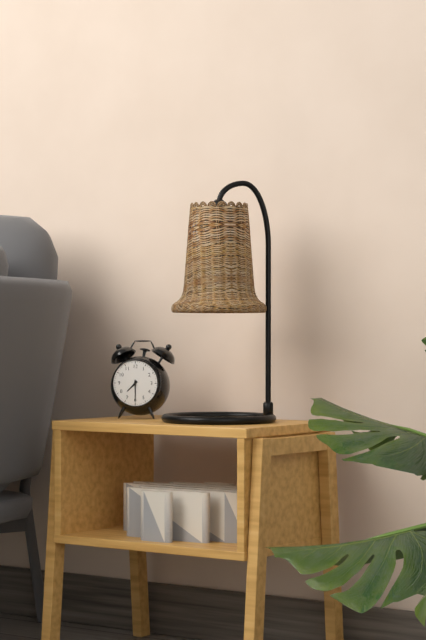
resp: 7,30
